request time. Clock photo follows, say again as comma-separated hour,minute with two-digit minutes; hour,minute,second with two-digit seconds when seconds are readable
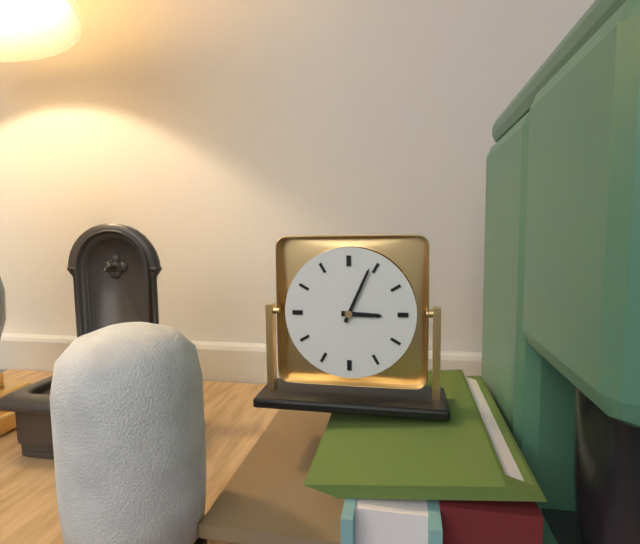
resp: 3,04
